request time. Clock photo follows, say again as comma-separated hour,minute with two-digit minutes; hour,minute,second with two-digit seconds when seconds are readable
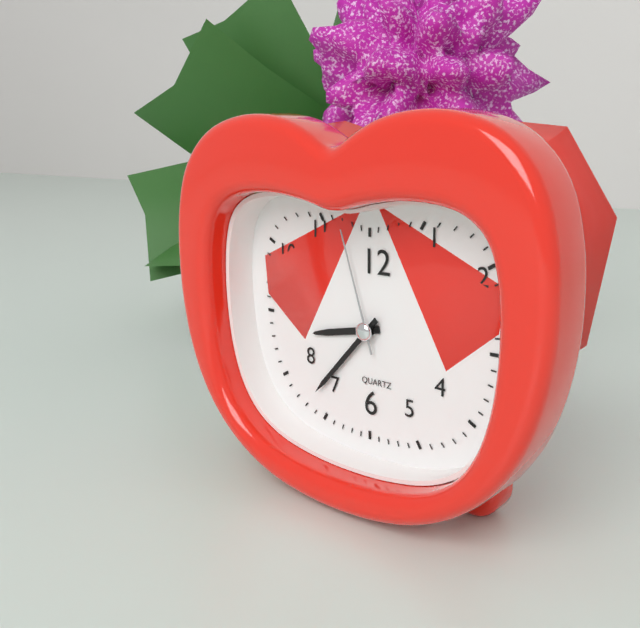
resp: 8,37,57
